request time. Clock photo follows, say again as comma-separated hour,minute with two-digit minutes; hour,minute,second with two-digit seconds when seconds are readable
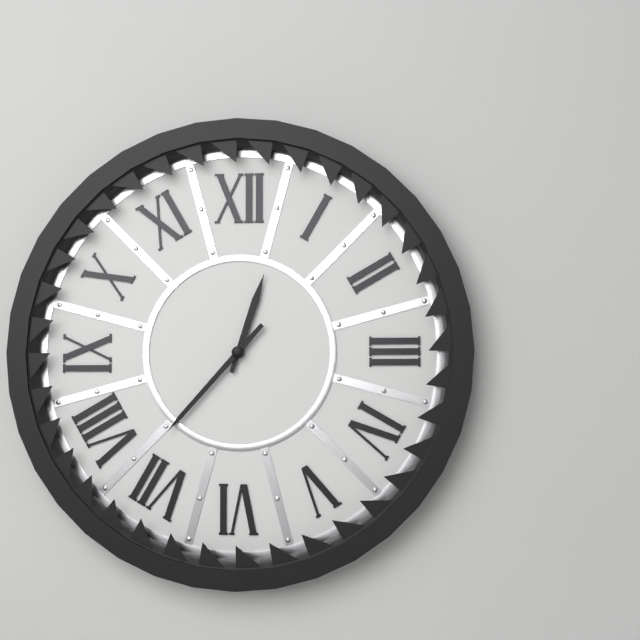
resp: 12,37
